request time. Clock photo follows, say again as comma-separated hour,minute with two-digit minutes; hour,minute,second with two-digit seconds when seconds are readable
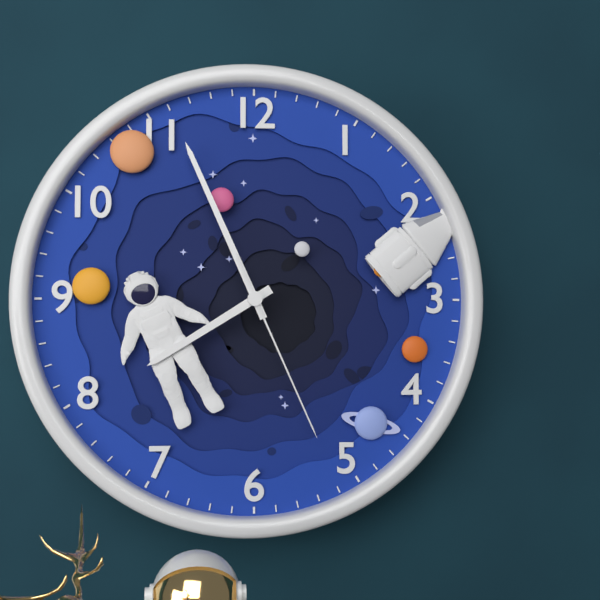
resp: 7,56,26
